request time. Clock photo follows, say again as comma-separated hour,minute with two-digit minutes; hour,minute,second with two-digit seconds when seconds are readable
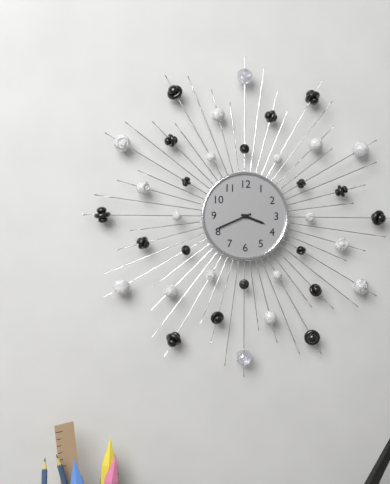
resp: 3,41
